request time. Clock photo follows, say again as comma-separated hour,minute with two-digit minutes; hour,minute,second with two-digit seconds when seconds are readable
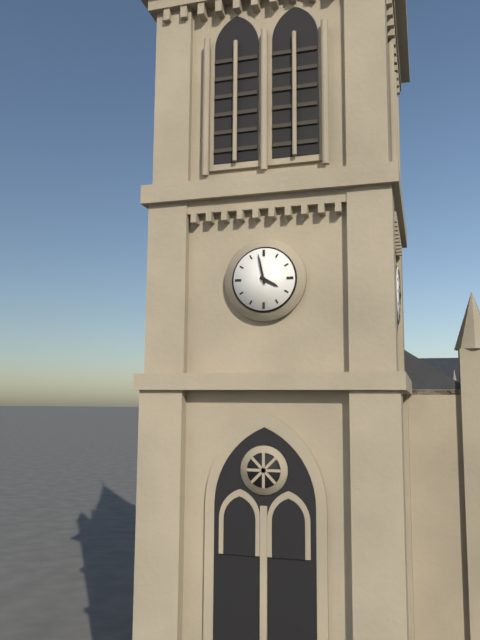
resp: 3,58
